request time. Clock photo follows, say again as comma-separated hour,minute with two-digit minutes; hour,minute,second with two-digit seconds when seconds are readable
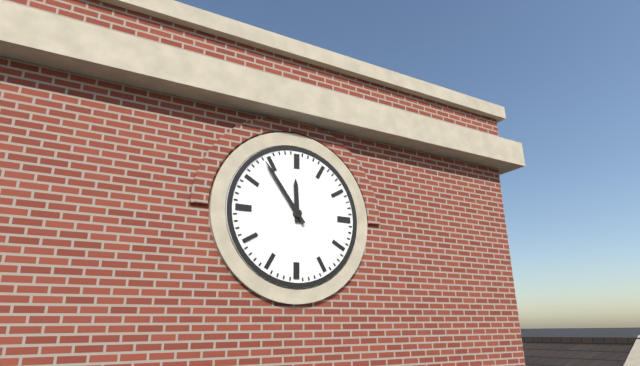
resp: 11,54
